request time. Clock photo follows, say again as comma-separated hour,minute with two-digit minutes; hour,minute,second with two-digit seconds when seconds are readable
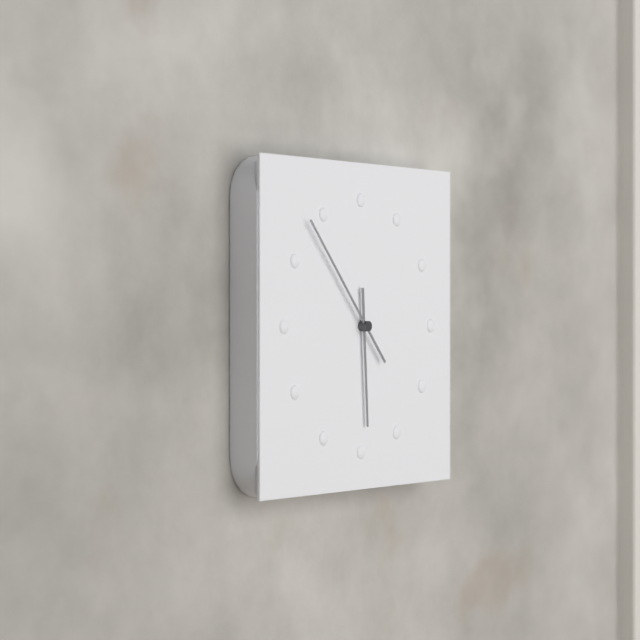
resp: 5,53
